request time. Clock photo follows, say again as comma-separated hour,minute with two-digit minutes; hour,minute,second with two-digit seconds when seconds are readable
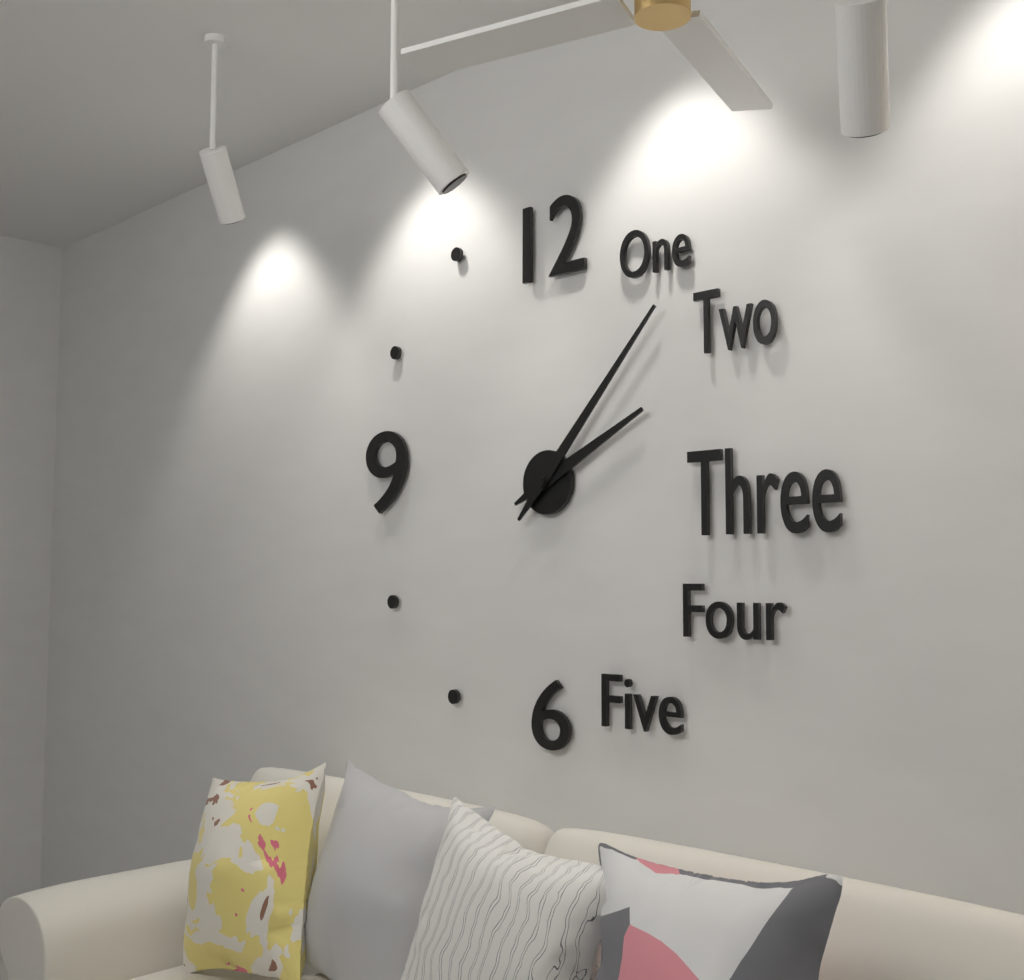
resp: 2,07
